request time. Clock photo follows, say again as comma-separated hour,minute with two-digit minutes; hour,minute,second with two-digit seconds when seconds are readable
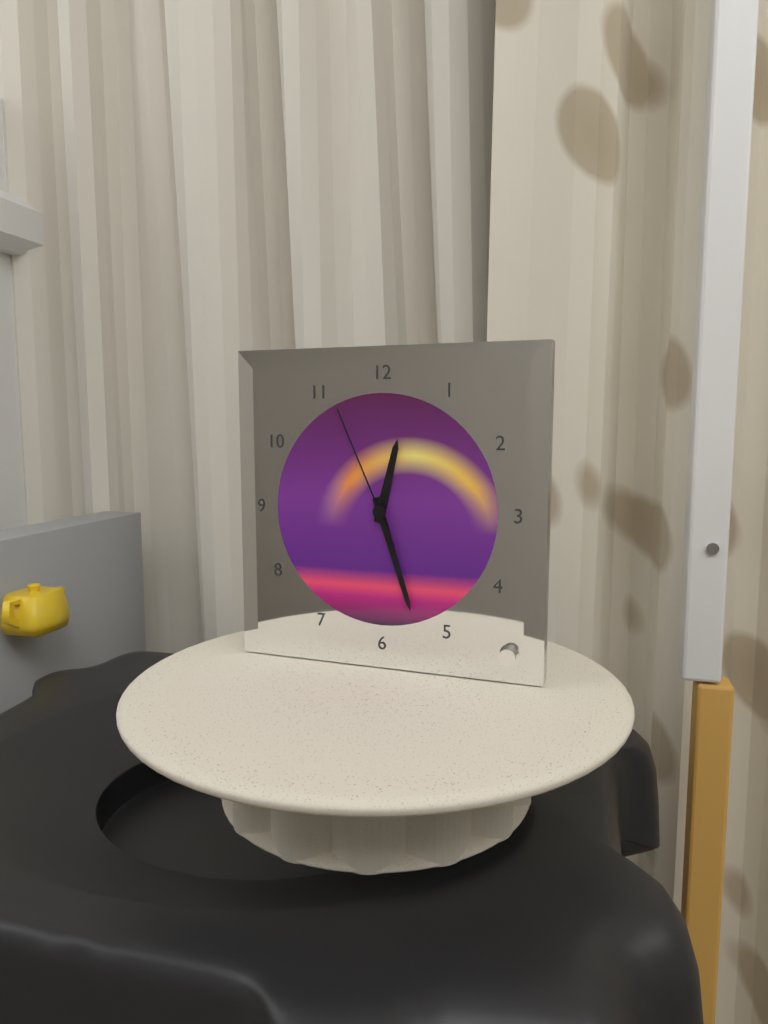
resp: 12,27,56
